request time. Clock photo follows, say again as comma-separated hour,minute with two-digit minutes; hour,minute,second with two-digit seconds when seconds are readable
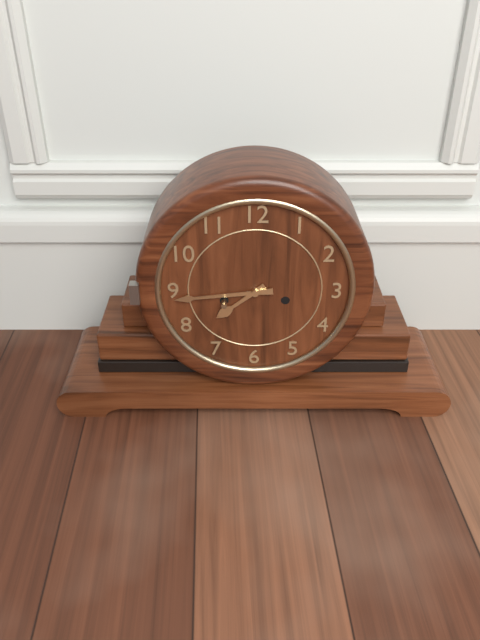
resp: 7,44
